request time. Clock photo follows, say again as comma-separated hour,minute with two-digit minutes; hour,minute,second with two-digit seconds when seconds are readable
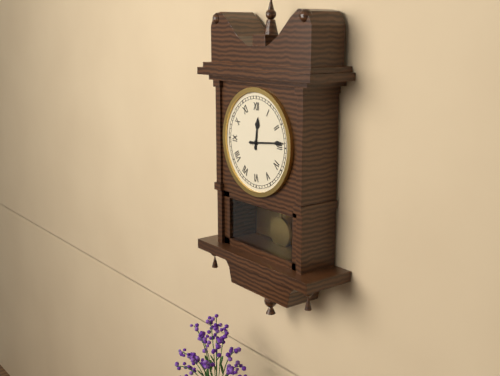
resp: 12,14
